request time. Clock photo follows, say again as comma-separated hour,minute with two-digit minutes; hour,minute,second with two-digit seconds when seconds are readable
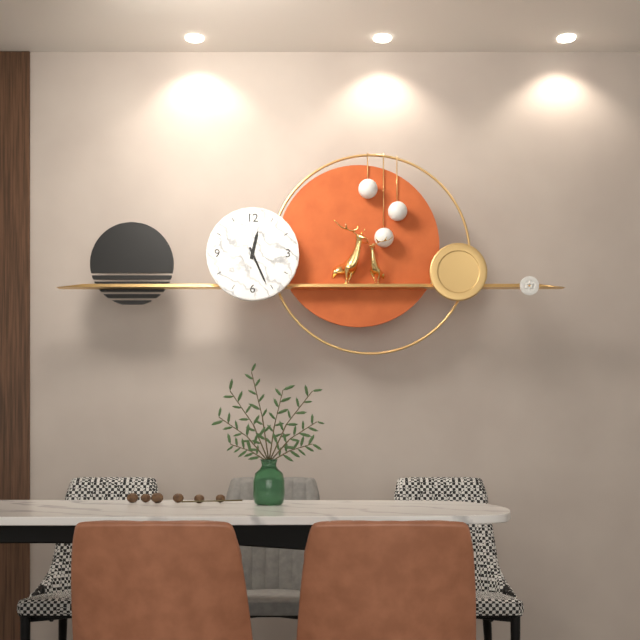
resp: 12,26
